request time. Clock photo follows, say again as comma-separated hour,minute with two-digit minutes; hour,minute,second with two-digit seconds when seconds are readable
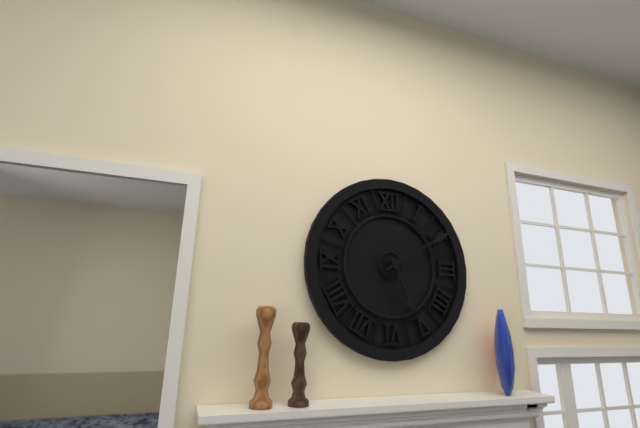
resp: 5,10
